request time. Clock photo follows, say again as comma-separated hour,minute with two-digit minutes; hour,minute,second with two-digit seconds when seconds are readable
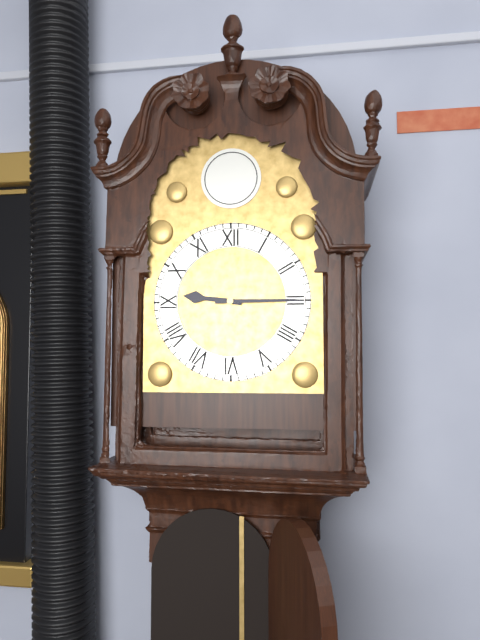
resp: 9,15
